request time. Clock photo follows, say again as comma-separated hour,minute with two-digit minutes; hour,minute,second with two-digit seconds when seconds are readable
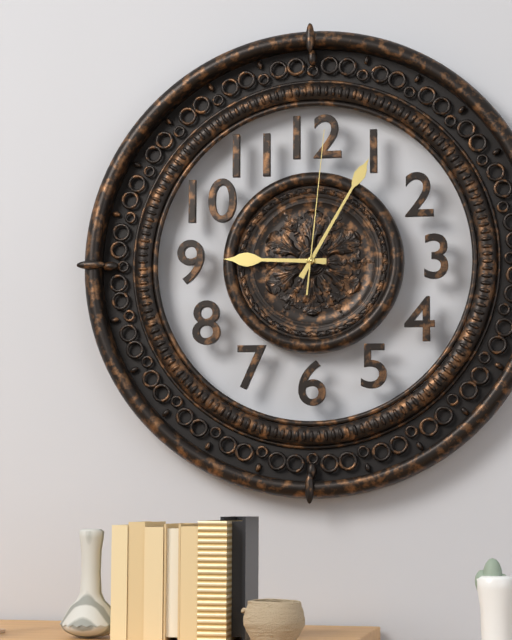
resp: 9,05,01
